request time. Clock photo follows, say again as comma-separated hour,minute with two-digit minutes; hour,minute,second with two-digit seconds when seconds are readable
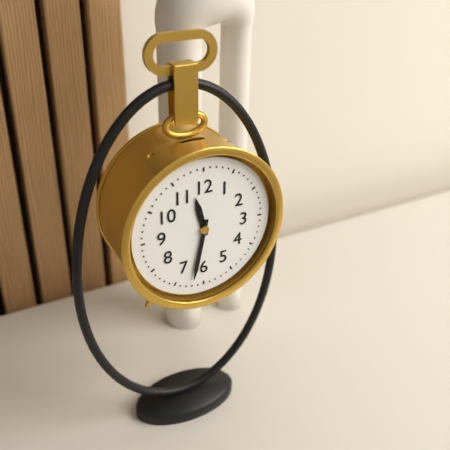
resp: 11,32
